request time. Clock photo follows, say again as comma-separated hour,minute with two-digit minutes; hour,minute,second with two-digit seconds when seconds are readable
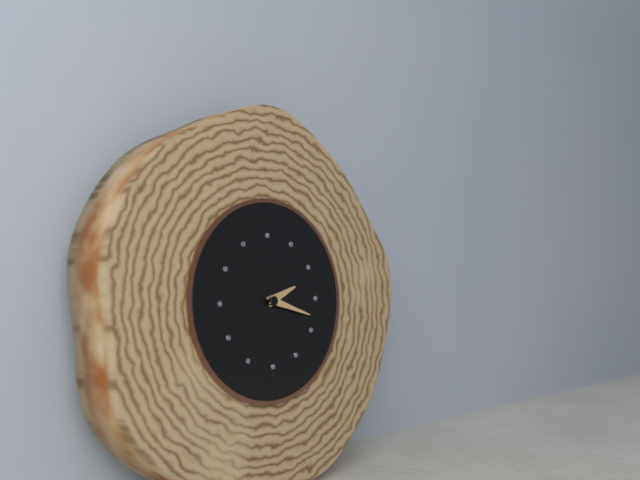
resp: 2,18
